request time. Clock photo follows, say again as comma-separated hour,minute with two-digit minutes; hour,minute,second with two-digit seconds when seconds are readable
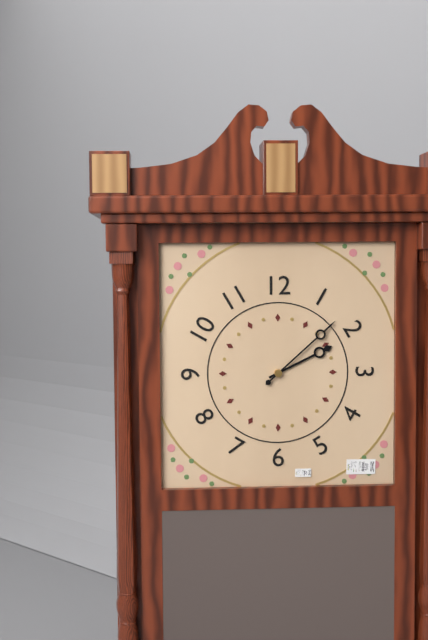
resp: 2,08
